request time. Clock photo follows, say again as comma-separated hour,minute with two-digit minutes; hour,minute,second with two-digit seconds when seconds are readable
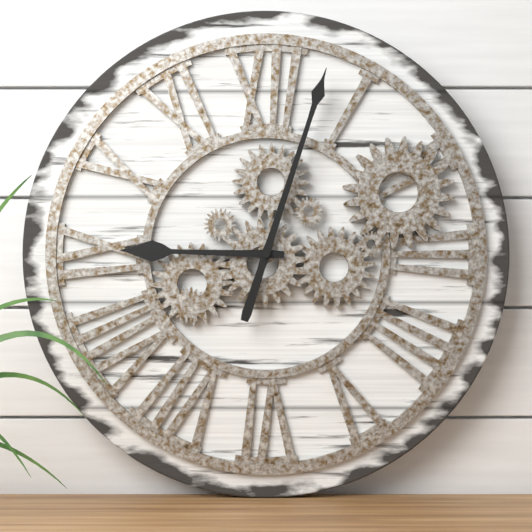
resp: 9,03
